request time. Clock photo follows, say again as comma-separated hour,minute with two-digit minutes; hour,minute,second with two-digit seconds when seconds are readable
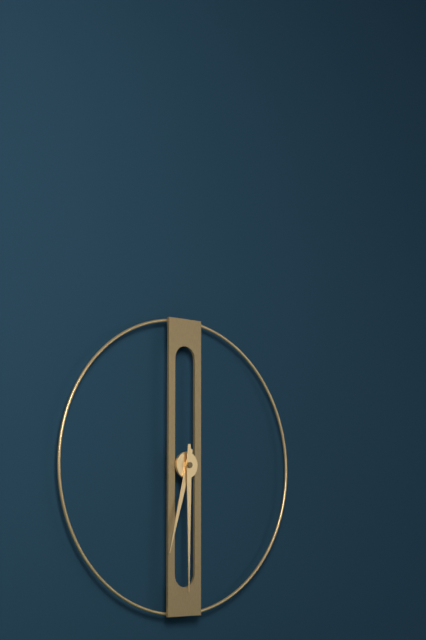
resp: 6,30
